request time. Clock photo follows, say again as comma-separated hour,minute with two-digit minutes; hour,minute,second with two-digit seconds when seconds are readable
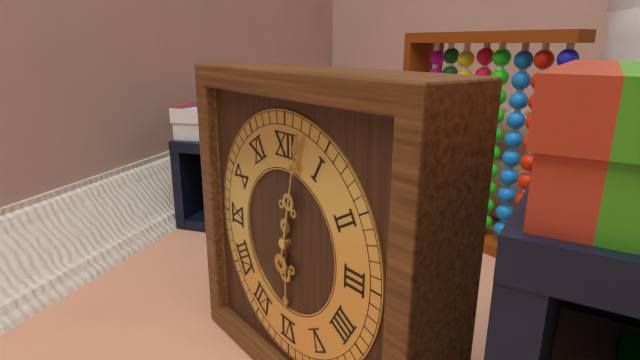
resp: 6,02
